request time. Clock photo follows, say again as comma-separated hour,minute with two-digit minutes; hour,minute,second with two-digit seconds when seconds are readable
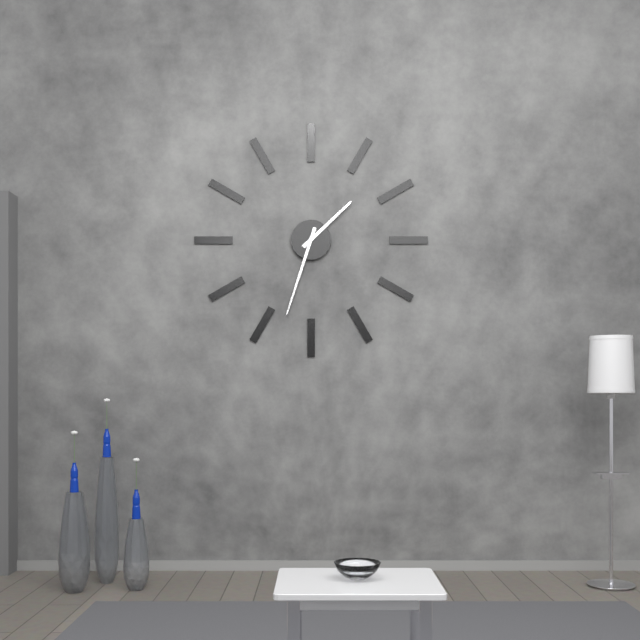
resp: 1,33
